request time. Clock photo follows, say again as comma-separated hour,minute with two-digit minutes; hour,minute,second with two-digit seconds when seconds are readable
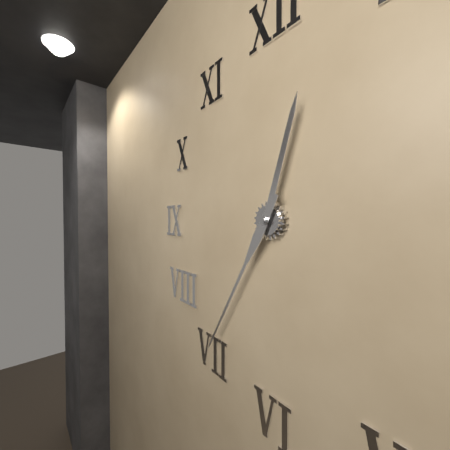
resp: 12,35
